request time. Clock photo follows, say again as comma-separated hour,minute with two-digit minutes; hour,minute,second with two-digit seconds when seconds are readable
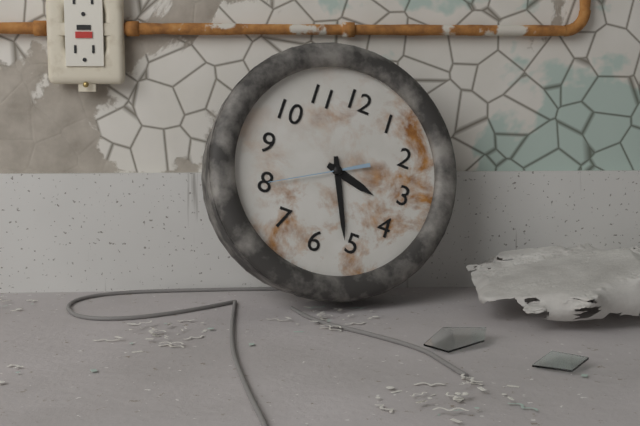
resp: 3,26,40
